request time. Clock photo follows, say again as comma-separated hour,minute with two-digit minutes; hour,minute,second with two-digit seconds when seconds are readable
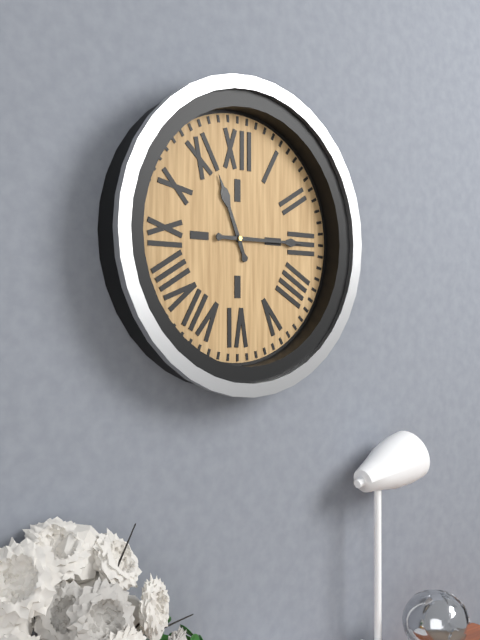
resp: 11,15
